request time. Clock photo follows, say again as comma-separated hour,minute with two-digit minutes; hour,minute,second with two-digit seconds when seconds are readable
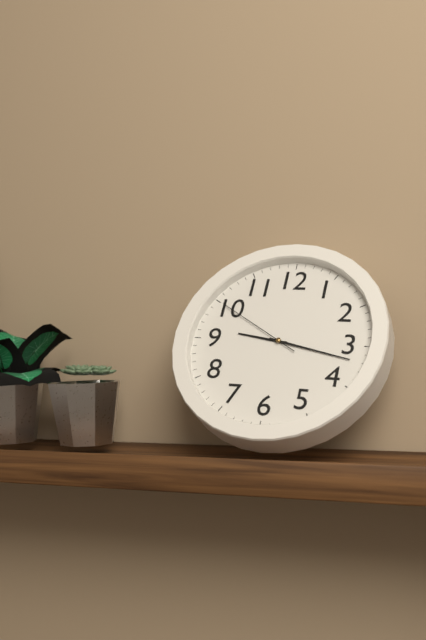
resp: 9,17,50
